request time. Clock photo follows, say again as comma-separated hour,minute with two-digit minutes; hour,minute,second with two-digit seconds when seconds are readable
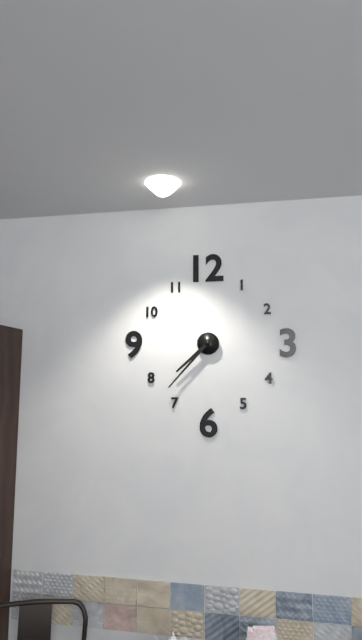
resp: 7,37
